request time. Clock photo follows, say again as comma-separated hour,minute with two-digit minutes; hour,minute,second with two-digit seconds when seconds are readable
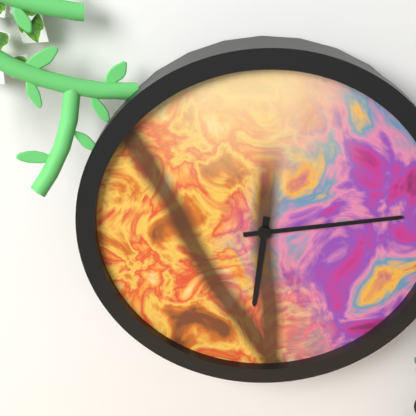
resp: 6,14
